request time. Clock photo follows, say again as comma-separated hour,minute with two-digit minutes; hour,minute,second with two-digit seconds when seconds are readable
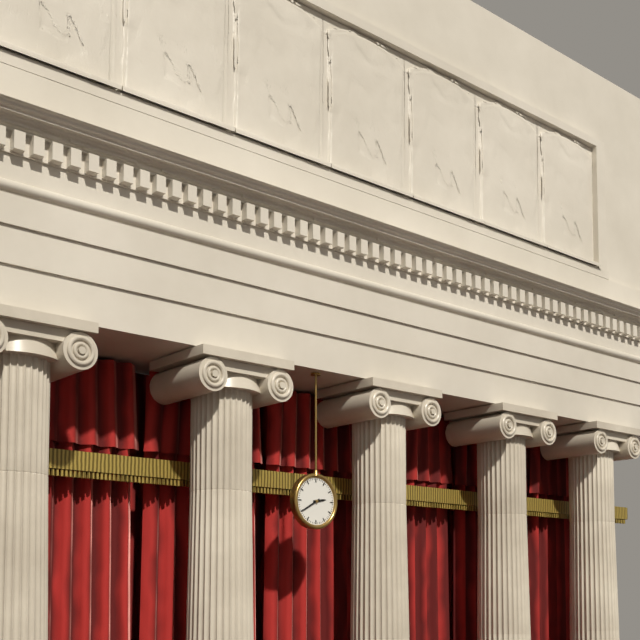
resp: 2,40
